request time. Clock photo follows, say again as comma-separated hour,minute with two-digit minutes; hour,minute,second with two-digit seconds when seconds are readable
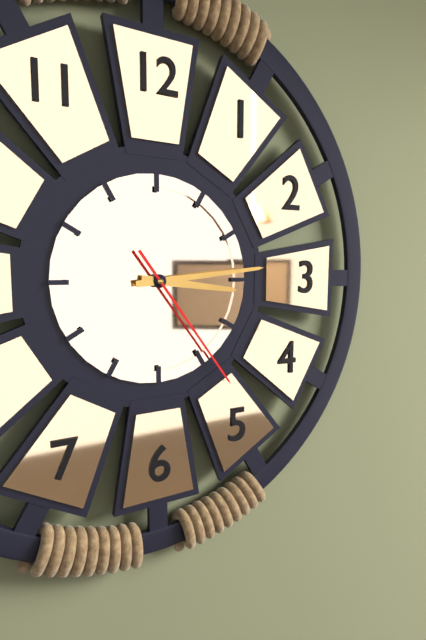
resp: 3,14,24
